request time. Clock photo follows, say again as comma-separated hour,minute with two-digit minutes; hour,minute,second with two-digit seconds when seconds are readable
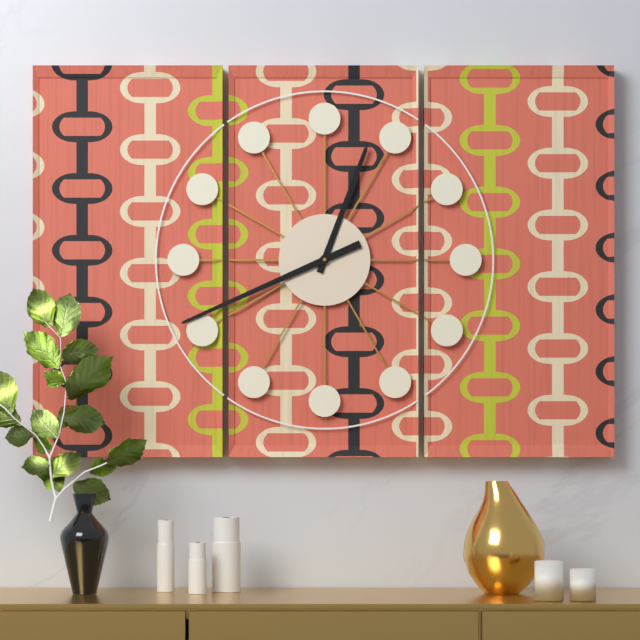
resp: 12,41
